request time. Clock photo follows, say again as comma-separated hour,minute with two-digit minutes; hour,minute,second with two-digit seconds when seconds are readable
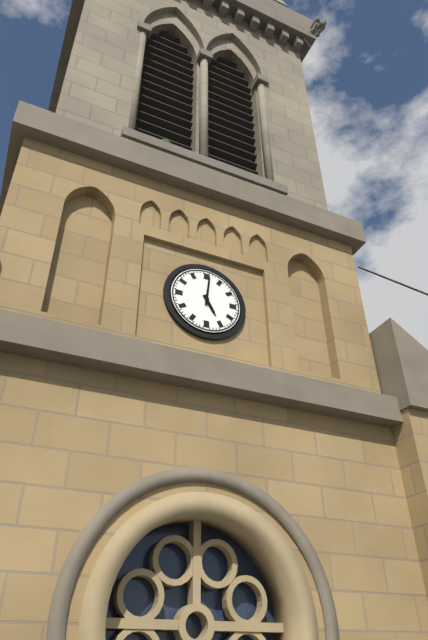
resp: 5,01
